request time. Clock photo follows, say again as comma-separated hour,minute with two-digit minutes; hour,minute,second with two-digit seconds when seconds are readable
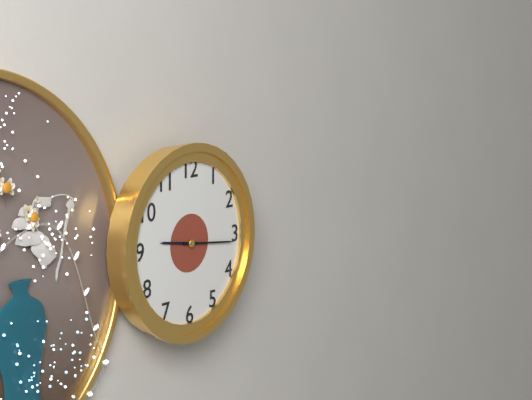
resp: 9,16
